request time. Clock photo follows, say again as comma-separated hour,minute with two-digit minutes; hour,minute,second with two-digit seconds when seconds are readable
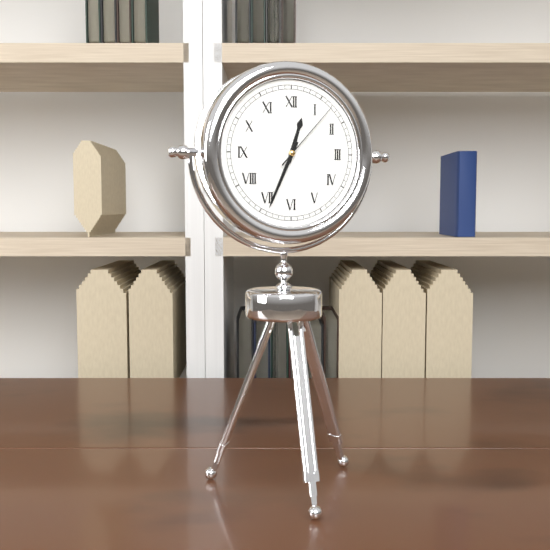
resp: 12,34,07
